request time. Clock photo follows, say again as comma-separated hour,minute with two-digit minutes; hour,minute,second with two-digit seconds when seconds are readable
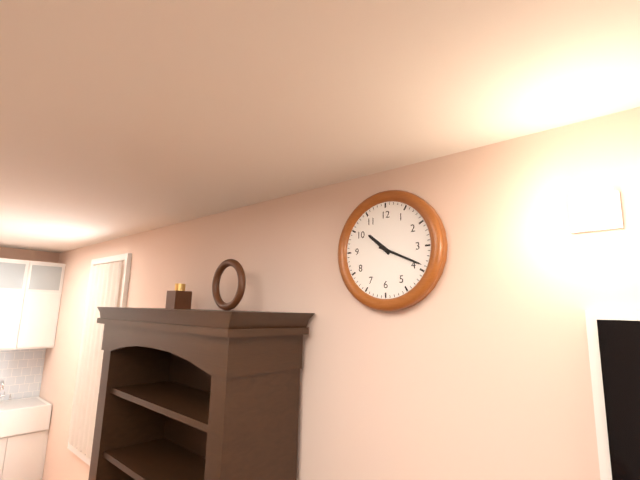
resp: 10,19
